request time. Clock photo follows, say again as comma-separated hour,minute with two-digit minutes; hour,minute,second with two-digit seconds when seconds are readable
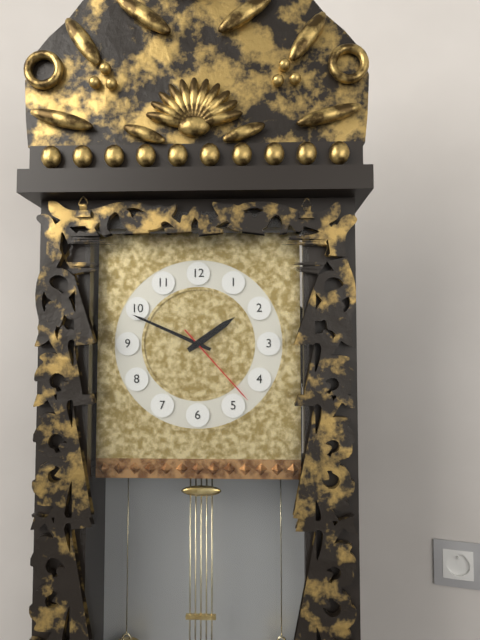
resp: 1,49,23
